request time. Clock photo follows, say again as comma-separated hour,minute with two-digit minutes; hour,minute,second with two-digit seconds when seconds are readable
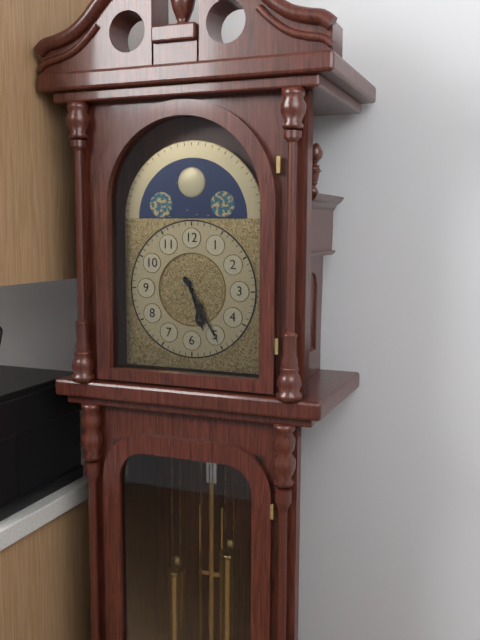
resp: 5,25
